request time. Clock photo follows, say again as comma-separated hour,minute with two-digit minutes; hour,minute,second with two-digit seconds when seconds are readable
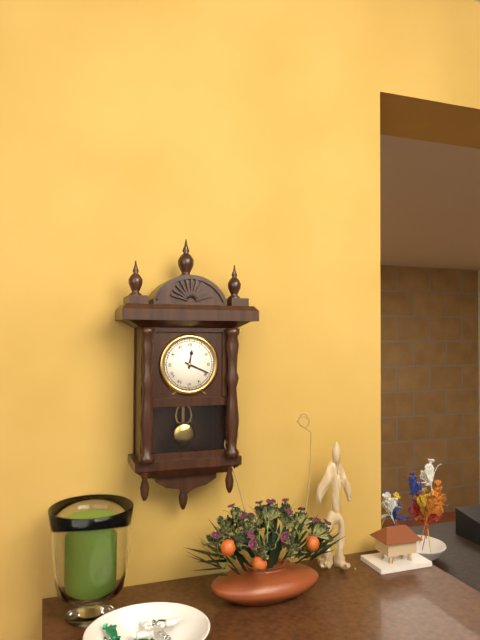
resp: 12,19
